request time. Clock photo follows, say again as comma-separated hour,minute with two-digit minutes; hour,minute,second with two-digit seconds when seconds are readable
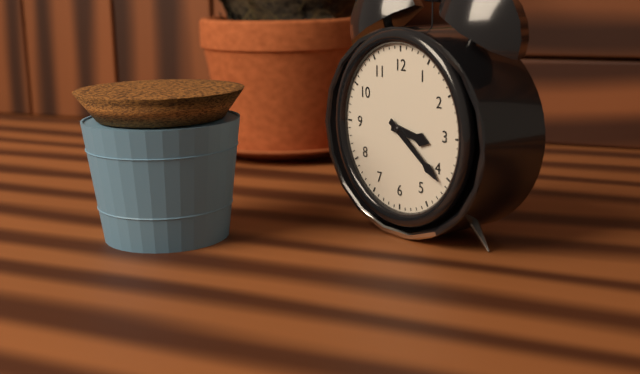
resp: 3,21
